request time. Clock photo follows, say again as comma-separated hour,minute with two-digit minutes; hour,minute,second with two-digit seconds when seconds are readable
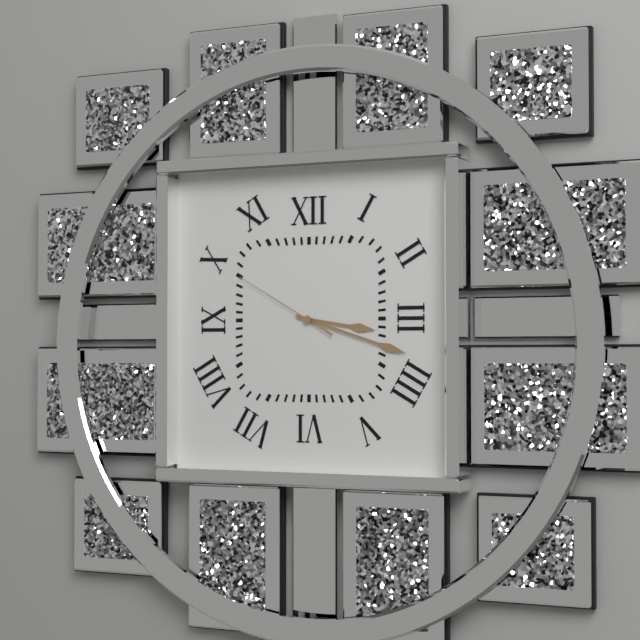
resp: 3,18,50
